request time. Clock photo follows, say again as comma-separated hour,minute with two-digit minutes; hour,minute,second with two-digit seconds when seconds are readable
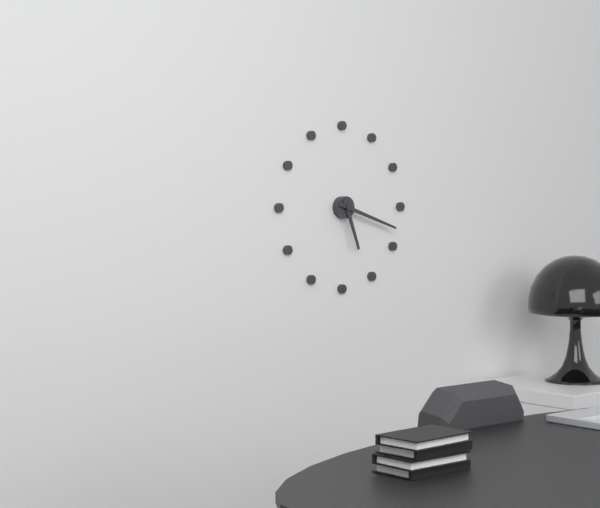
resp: 5,18
